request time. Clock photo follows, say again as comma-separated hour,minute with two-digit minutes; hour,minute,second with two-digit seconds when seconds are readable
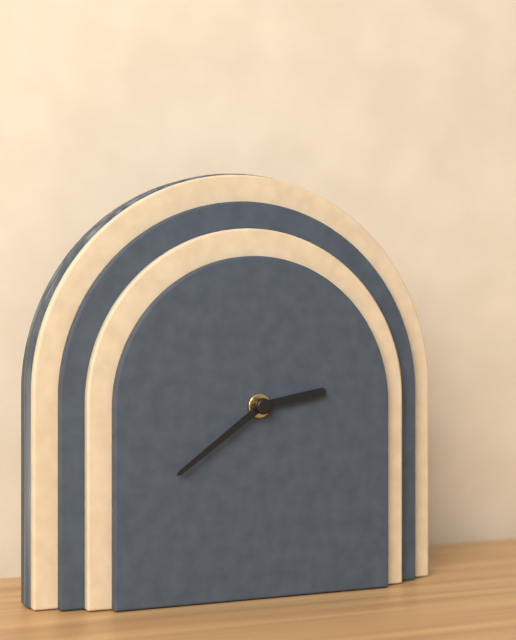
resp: 2,39
